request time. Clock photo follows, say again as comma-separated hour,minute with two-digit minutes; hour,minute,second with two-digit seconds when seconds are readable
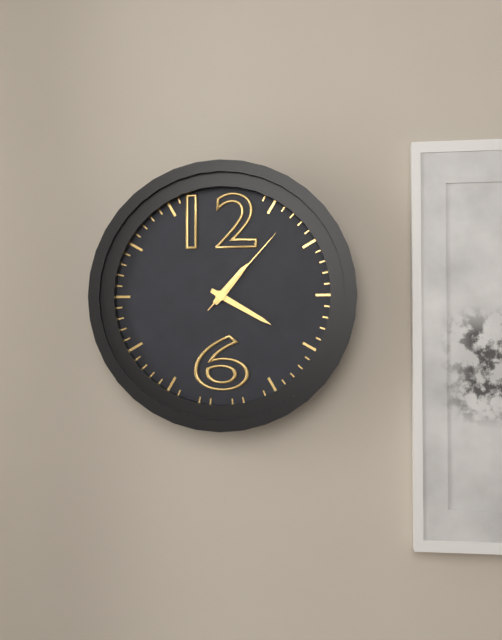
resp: 1,20,07
